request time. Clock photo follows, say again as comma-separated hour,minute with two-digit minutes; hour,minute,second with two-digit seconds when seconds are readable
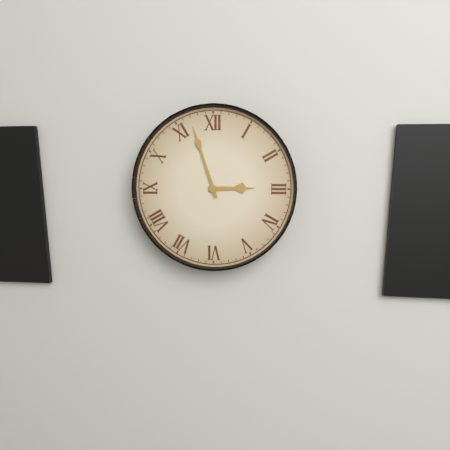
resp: 2,57
